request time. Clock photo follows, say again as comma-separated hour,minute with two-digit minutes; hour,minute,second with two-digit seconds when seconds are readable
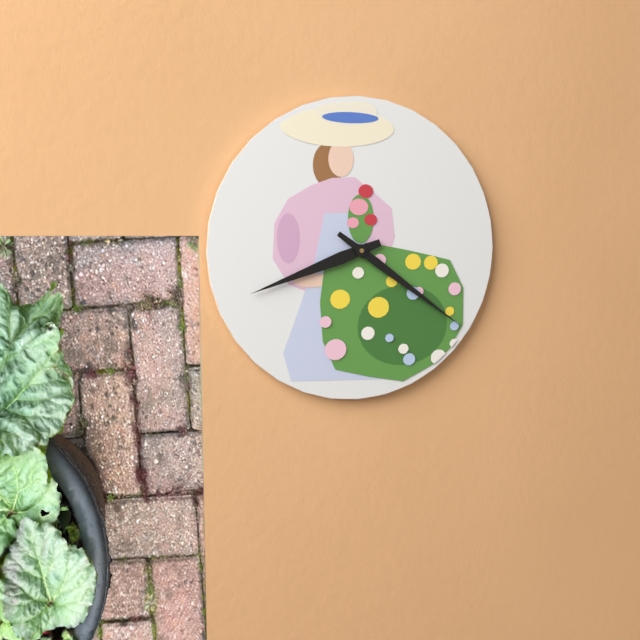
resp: 8,21
